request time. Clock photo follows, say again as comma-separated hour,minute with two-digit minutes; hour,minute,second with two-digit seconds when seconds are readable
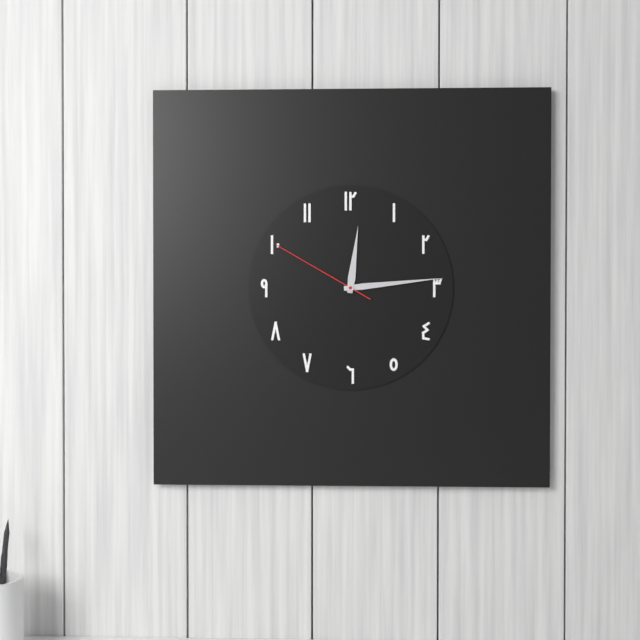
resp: 12,14,50
